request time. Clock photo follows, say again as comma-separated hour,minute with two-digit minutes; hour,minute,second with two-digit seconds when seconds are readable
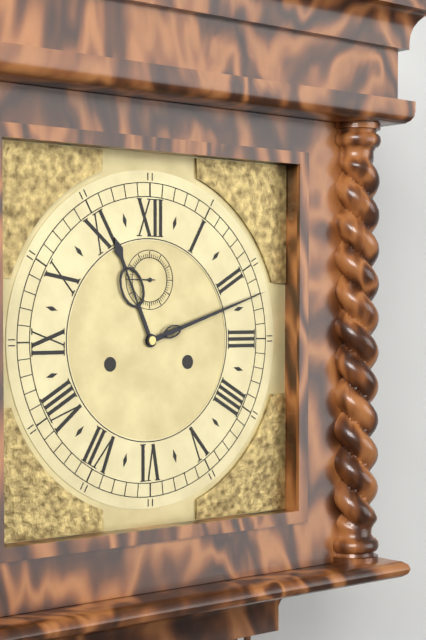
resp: 11,12
